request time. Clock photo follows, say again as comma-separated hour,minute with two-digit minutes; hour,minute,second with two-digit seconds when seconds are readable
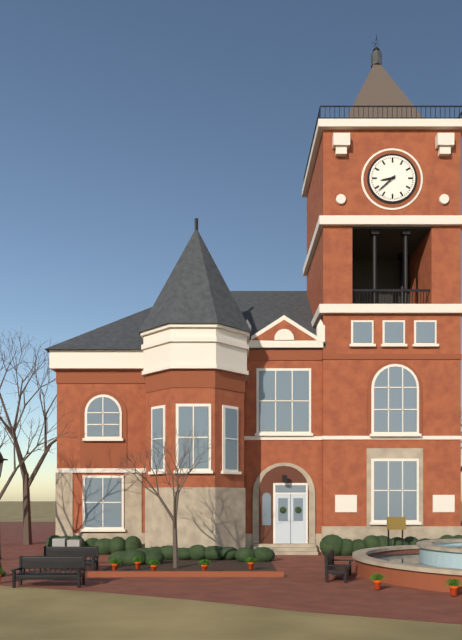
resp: 8,38
